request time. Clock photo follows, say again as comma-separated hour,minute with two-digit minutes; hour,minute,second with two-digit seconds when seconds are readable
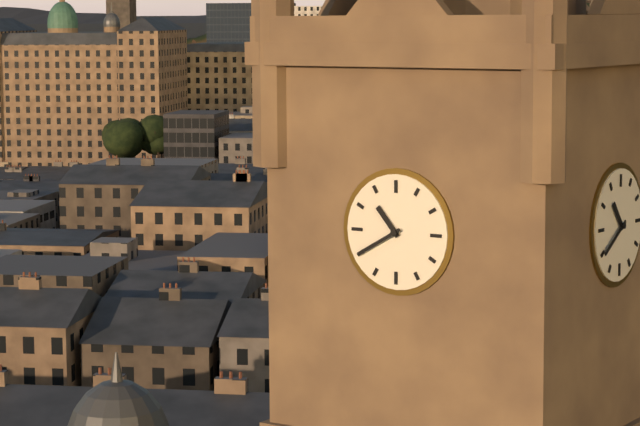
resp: 10,40
